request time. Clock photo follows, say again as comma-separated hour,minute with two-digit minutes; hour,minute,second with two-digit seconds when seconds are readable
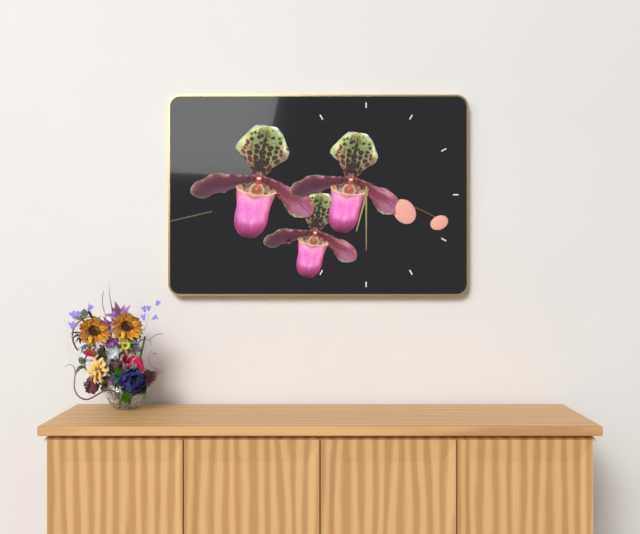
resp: 6,30
